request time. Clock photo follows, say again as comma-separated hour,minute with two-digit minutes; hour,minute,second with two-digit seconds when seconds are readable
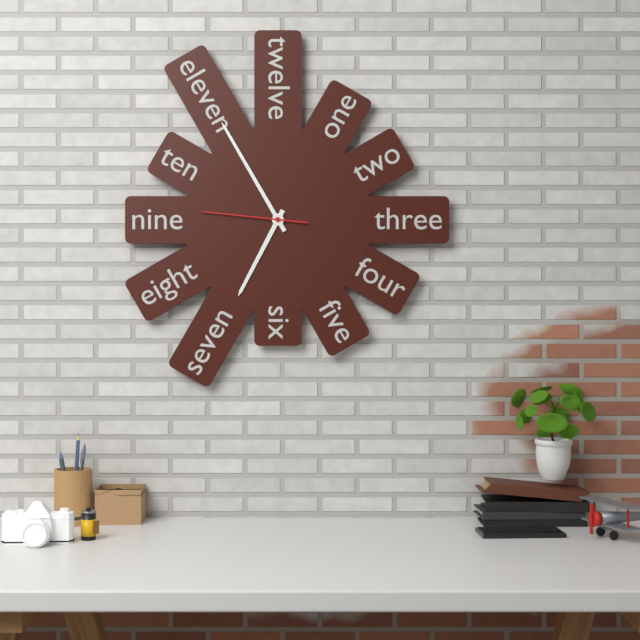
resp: 6,55,46
